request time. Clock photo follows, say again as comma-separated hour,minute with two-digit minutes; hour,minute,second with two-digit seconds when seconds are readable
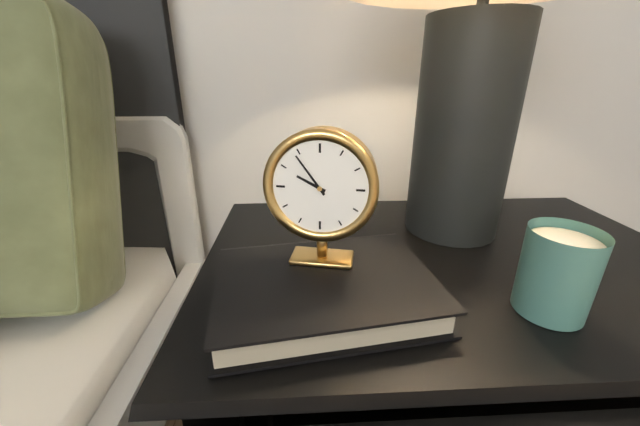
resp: 9,54
